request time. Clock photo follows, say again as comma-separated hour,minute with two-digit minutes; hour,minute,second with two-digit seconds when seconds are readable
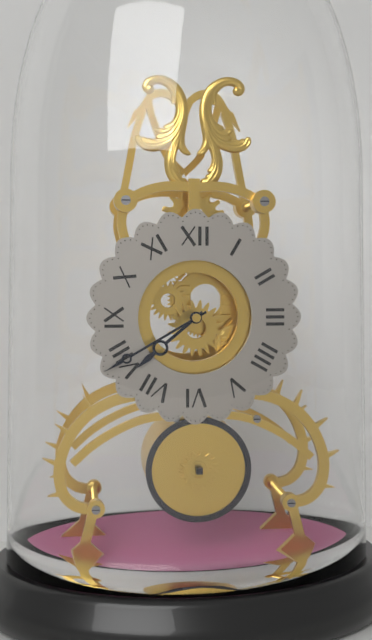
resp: 7,40
